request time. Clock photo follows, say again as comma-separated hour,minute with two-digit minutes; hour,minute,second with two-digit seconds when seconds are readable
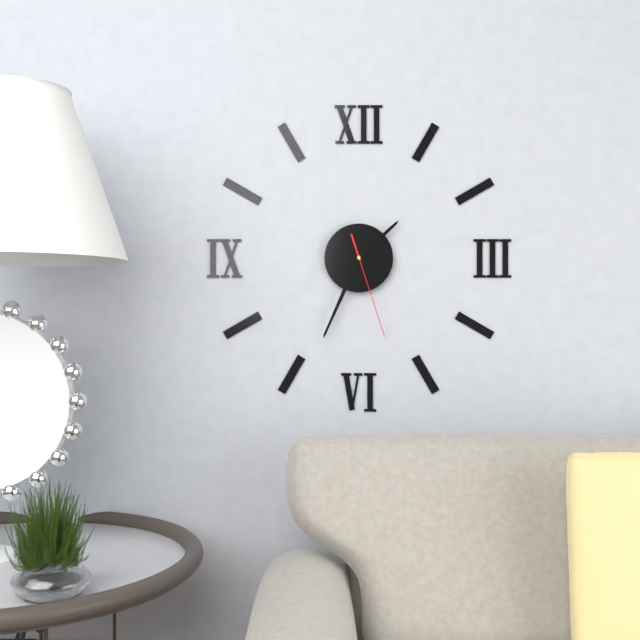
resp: 1,34,27
